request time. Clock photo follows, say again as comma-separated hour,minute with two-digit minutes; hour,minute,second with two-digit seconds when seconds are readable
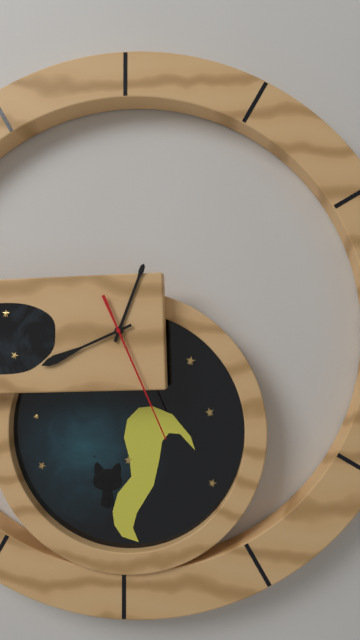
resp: 12,41,26
